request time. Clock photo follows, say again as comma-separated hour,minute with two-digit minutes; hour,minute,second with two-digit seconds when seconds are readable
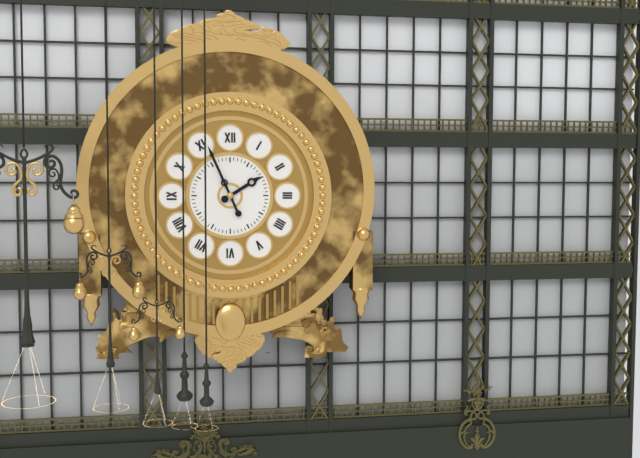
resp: 1,56
